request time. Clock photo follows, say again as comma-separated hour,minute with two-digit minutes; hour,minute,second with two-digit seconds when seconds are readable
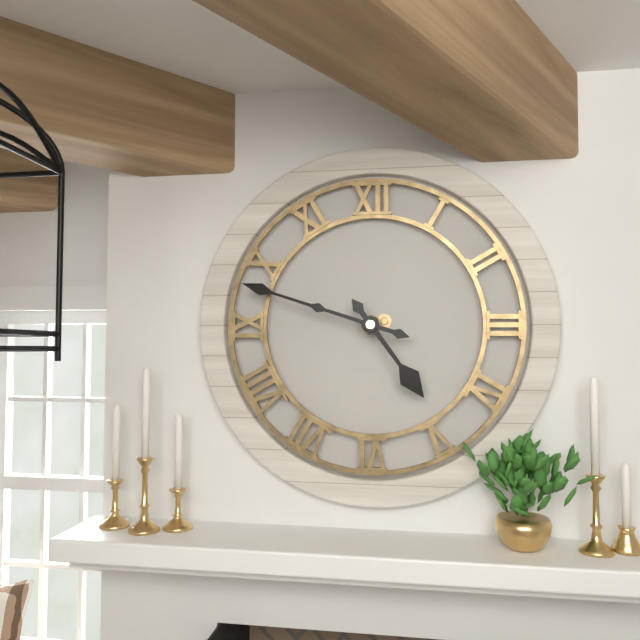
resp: 4,48
